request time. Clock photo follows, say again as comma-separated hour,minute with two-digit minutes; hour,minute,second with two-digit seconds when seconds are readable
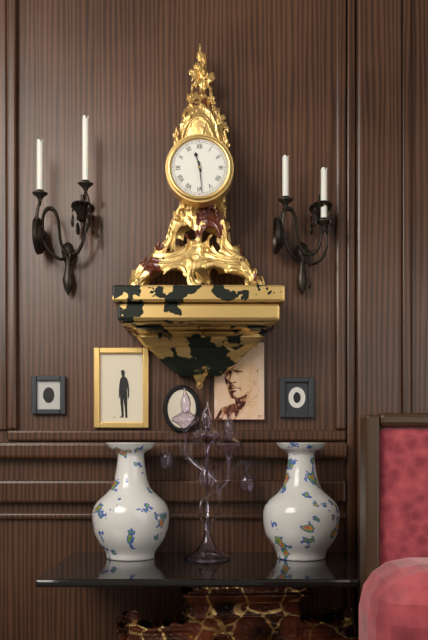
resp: 11,29
